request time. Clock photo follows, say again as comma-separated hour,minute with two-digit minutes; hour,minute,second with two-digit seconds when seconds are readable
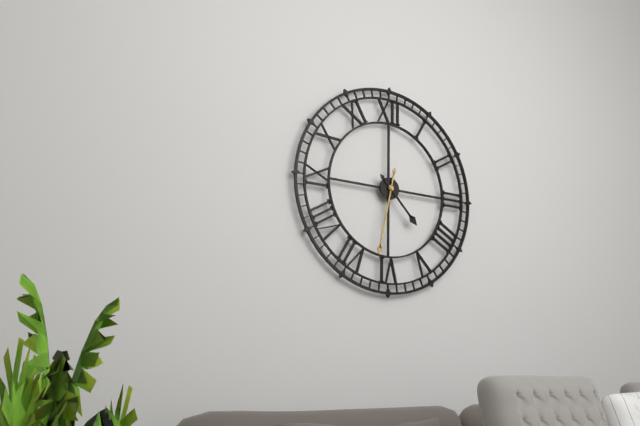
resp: 4,32
